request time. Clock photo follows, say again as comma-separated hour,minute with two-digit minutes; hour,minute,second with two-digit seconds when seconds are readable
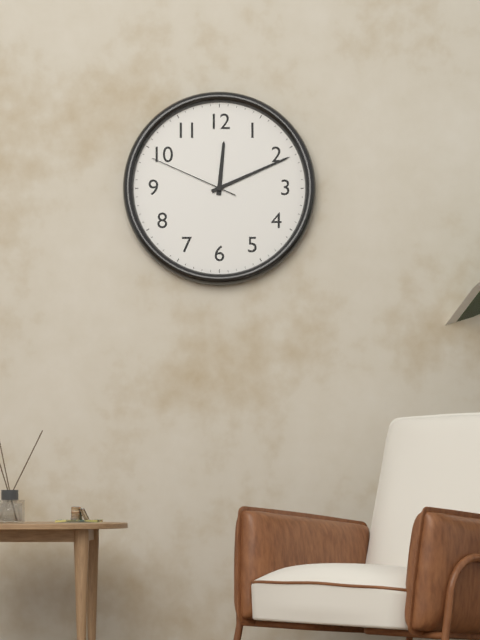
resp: 12,11,49
